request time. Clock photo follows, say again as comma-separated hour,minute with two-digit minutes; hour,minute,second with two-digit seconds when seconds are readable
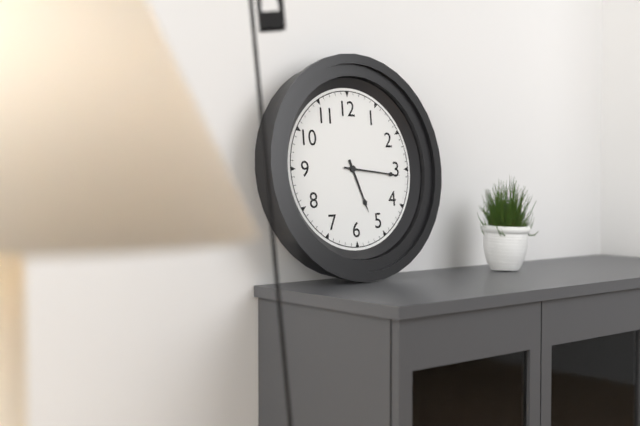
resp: 5,16
